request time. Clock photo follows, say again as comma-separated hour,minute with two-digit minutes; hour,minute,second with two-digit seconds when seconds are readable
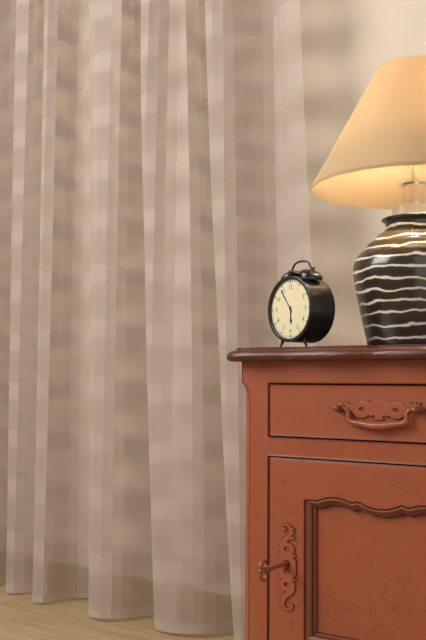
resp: 5,54
